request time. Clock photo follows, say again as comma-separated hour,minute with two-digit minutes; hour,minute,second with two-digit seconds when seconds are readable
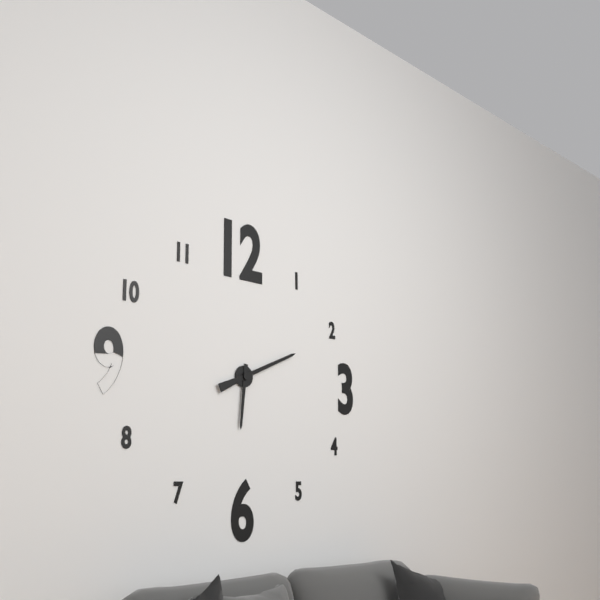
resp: 6,11
